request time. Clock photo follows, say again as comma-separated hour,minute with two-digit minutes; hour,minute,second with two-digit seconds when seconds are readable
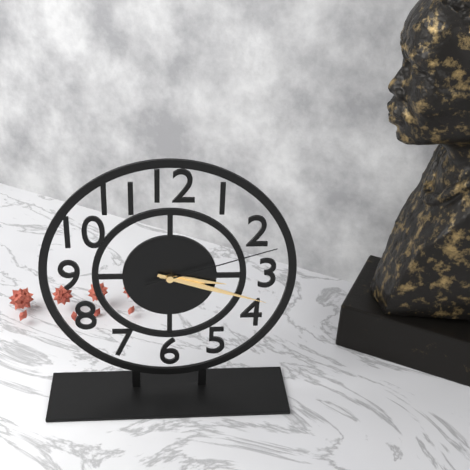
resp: 3,18,12
